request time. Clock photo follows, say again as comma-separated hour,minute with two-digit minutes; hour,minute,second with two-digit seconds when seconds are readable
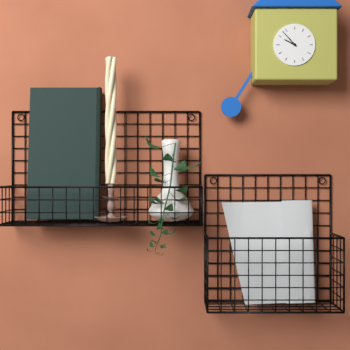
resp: 9,53
